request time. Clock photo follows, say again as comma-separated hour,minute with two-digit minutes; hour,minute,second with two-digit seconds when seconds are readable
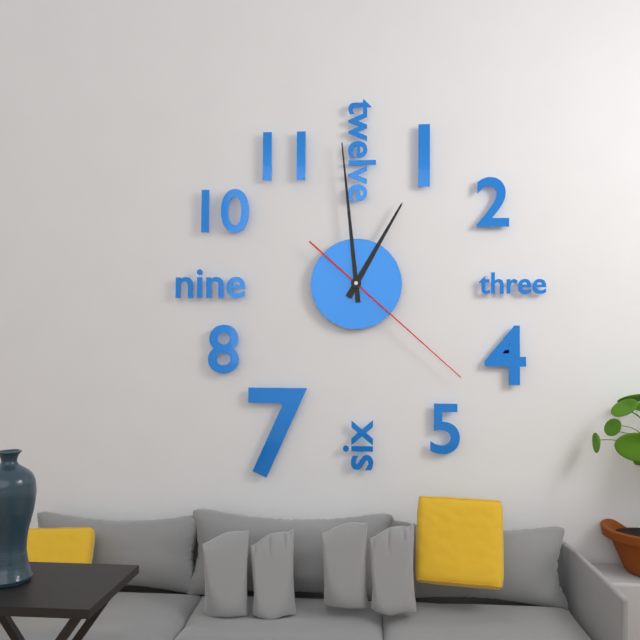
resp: 12,59,22
